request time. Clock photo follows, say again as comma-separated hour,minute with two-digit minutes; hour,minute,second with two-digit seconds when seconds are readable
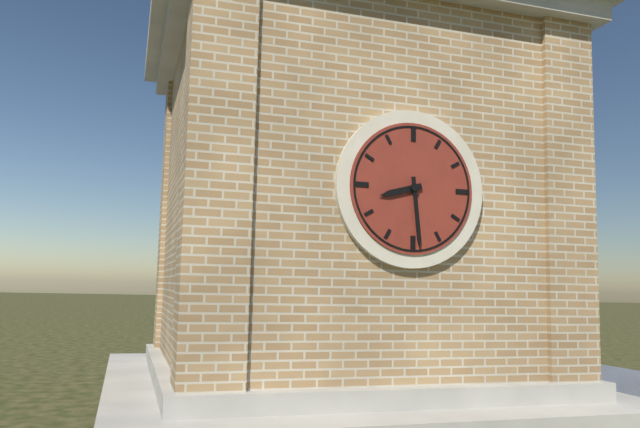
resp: 8,29
